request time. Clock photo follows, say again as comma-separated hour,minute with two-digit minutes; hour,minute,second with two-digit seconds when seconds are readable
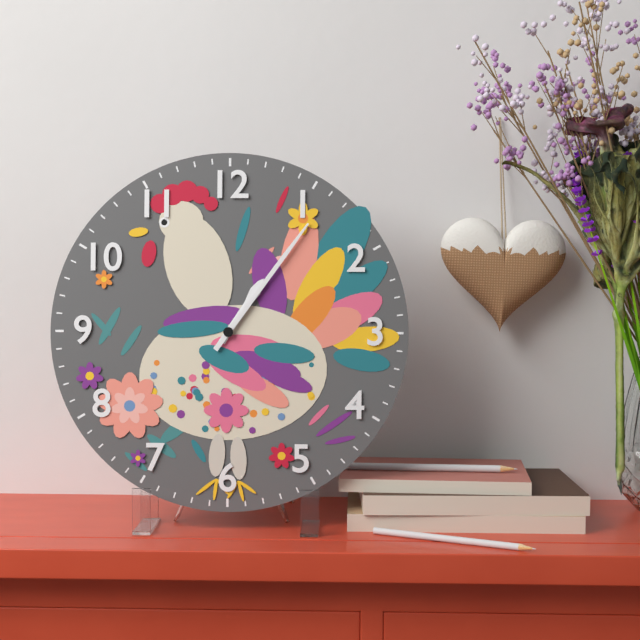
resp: 1,06
